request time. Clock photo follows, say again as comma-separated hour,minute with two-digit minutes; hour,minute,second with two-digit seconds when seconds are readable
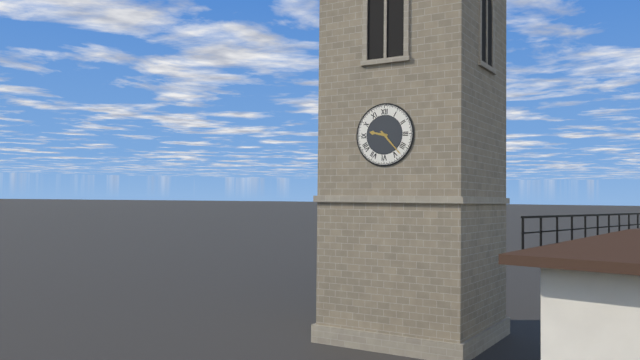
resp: 9,23
